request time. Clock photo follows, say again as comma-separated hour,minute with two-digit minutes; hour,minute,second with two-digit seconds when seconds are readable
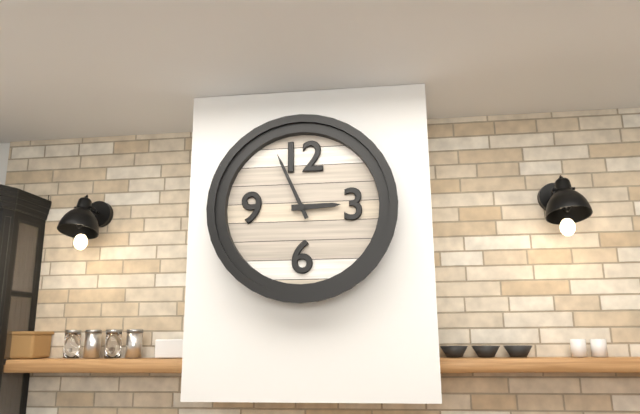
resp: 2,56
